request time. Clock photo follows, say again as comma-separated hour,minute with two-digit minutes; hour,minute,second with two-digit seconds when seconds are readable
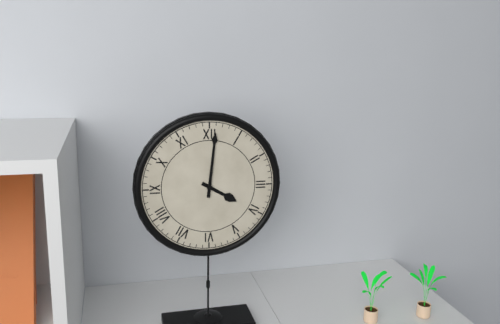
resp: 4,01
